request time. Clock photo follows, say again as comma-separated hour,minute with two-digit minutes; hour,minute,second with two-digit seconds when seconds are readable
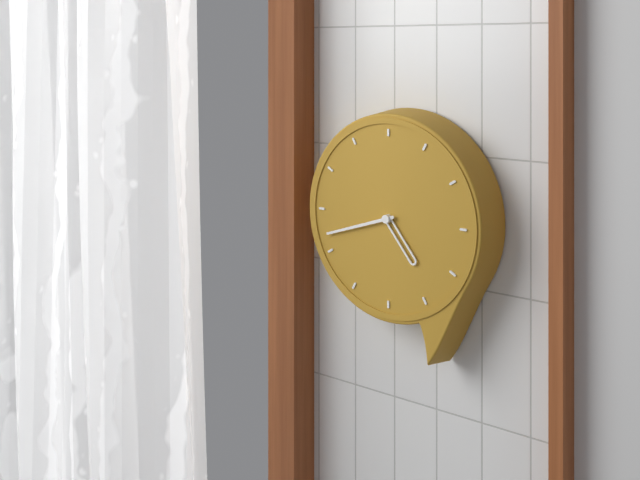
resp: 4,42
